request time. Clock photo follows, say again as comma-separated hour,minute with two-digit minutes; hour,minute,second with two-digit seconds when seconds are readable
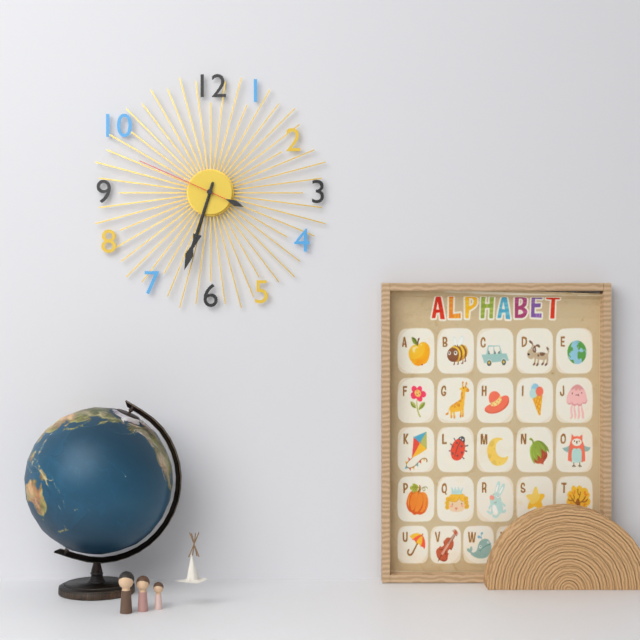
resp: 6,33,49
